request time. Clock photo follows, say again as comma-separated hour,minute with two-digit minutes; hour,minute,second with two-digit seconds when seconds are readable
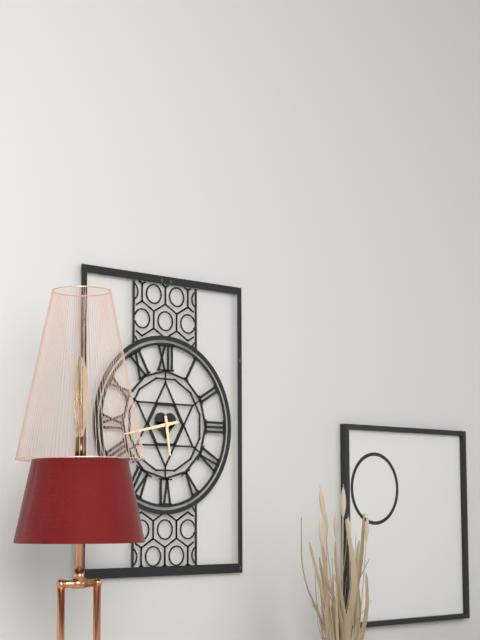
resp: 5,43
